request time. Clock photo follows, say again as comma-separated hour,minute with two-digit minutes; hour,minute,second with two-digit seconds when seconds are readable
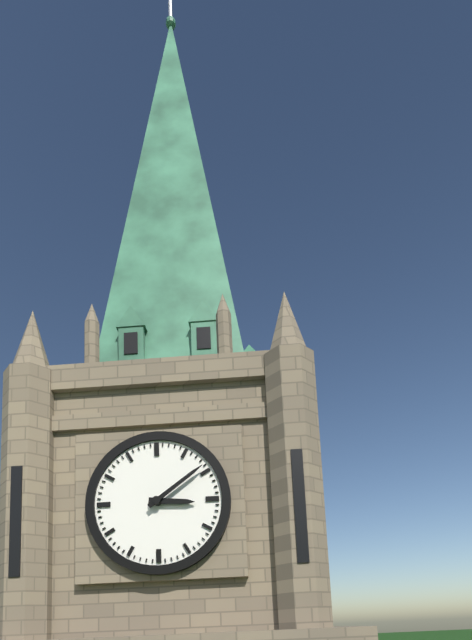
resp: 3,09
